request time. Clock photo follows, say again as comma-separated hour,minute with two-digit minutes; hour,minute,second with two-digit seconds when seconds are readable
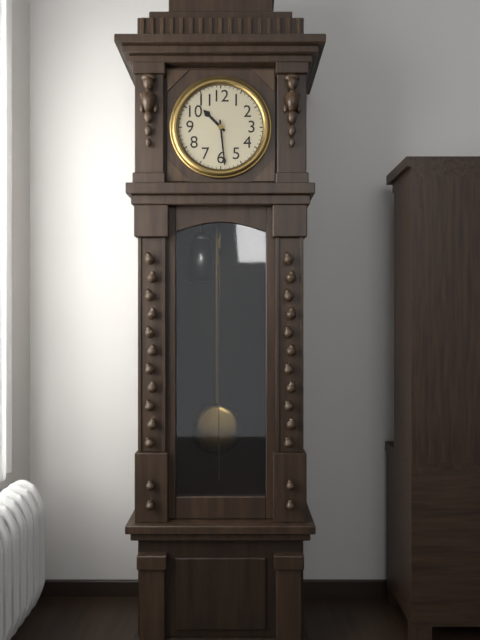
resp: 10,29
